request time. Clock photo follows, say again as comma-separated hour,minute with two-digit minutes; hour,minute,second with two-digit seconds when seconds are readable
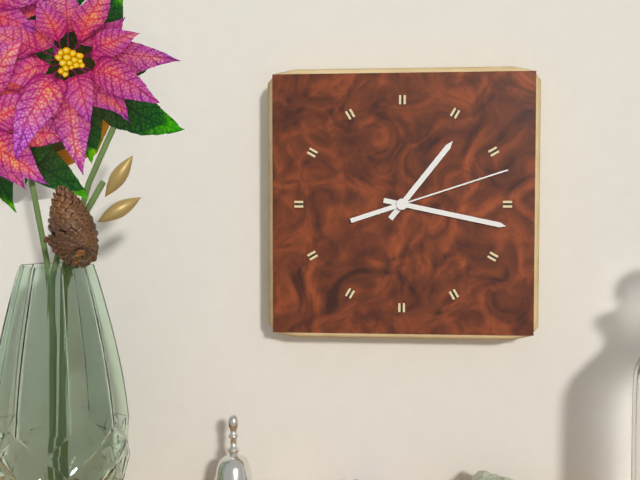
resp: 1,17,12
